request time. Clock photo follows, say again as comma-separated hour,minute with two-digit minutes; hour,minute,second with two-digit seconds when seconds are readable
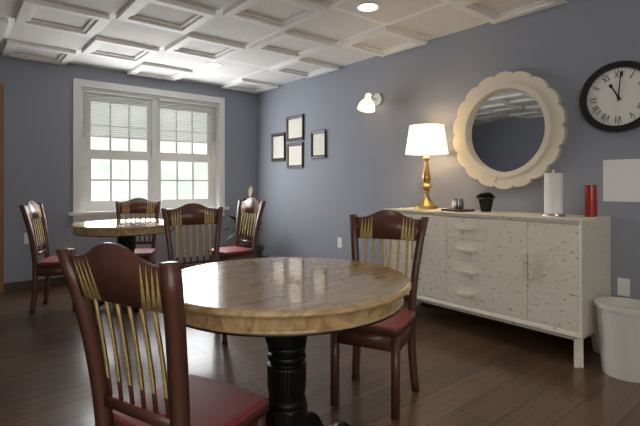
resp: 11,01
